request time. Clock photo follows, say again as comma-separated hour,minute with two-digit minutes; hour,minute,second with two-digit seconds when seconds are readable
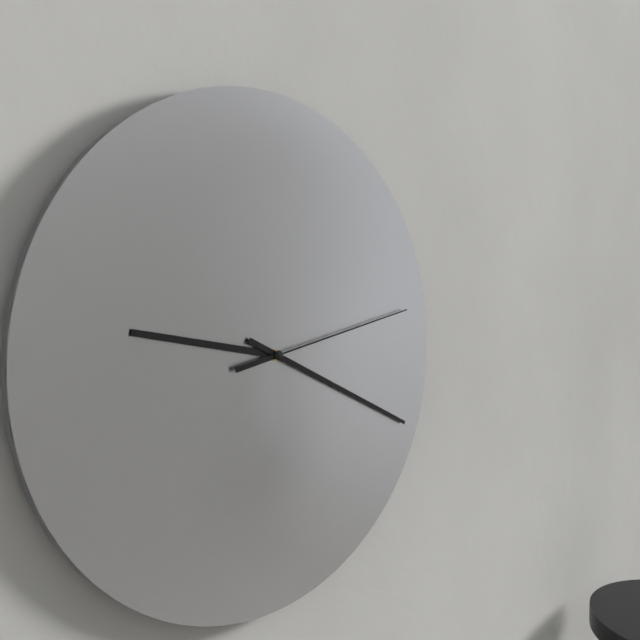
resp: 9,19,13
